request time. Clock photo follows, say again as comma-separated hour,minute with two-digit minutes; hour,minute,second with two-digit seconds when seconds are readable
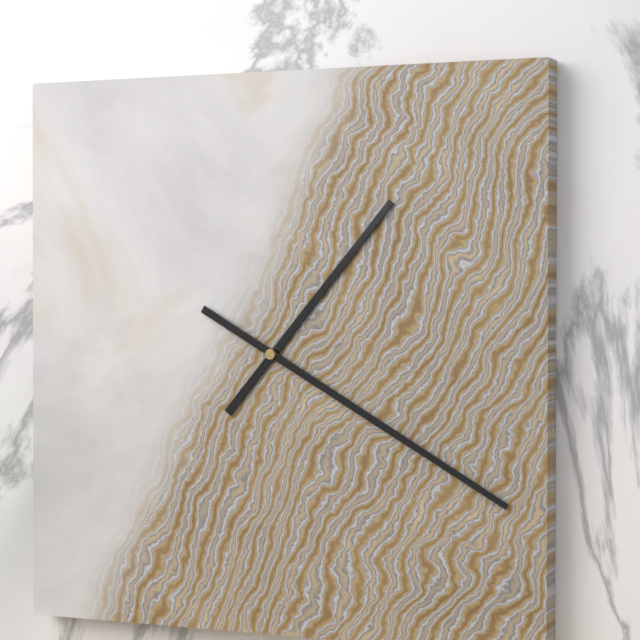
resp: 1,20
